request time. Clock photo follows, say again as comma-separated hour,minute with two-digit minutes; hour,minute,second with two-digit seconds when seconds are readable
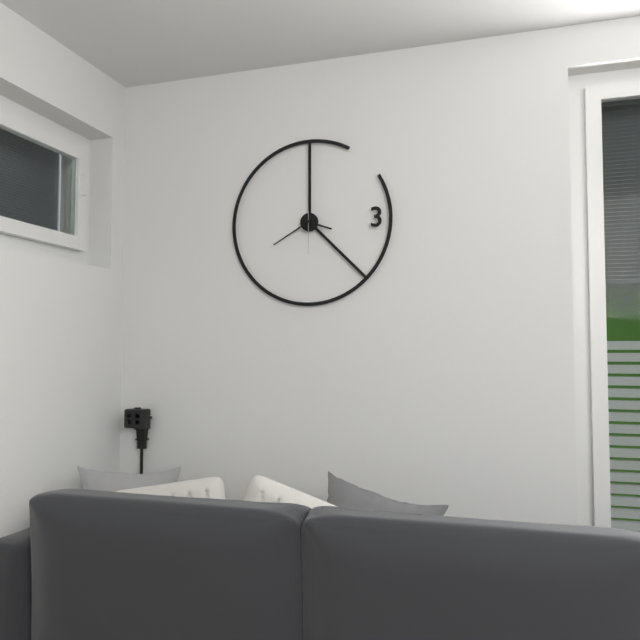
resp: 3,40
